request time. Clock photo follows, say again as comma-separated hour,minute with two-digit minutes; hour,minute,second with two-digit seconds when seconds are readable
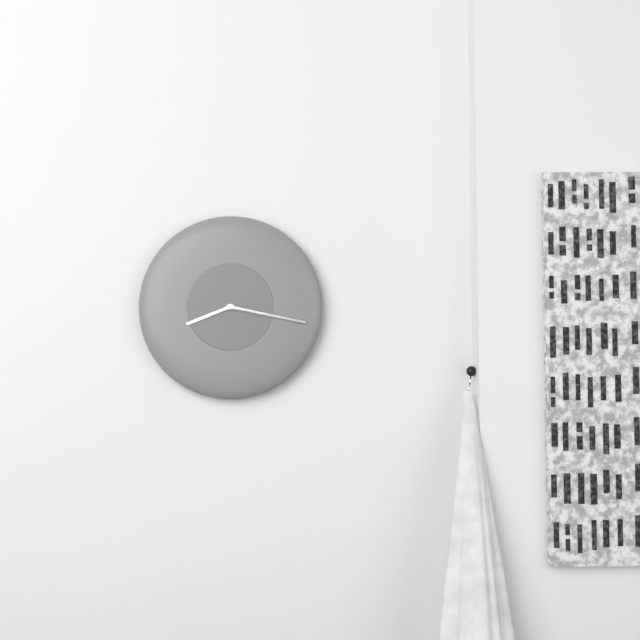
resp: 8,17
